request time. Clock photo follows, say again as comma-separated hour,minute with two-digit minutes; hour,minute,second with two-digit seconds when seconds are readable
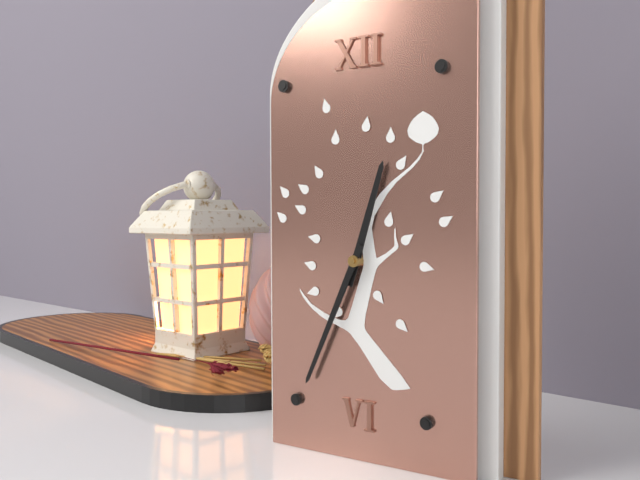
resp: 12,34
